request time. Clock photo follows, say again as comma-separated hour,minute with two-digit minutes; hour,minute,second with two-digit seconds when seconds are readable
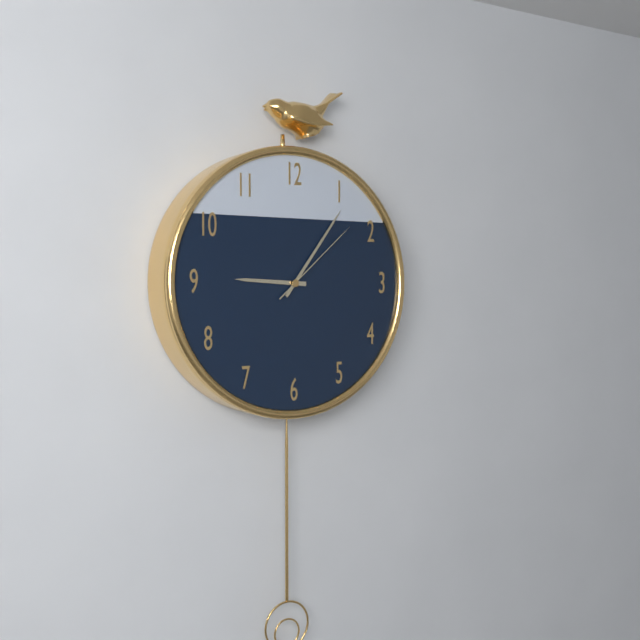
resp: 9,06,08
